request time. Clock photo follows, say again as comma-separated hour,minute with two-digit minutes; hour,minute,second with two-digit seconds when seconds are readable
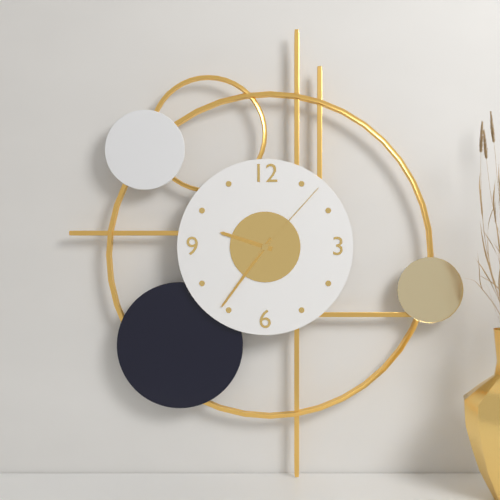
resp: 9,36,07
